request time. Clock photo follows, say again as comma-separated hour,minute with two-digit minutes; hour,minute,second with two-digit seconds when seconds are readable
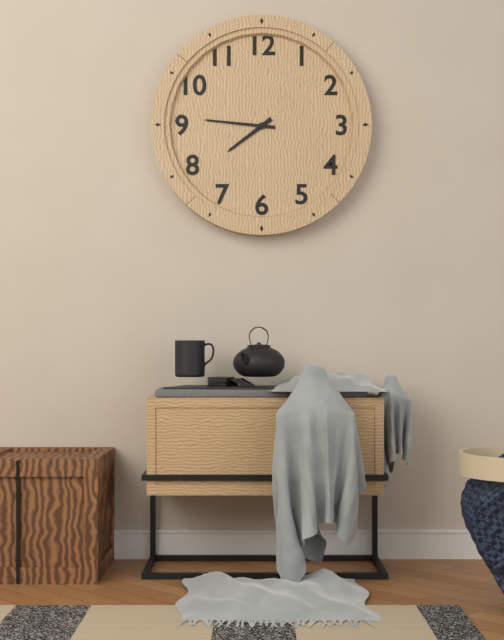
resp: 7,46
